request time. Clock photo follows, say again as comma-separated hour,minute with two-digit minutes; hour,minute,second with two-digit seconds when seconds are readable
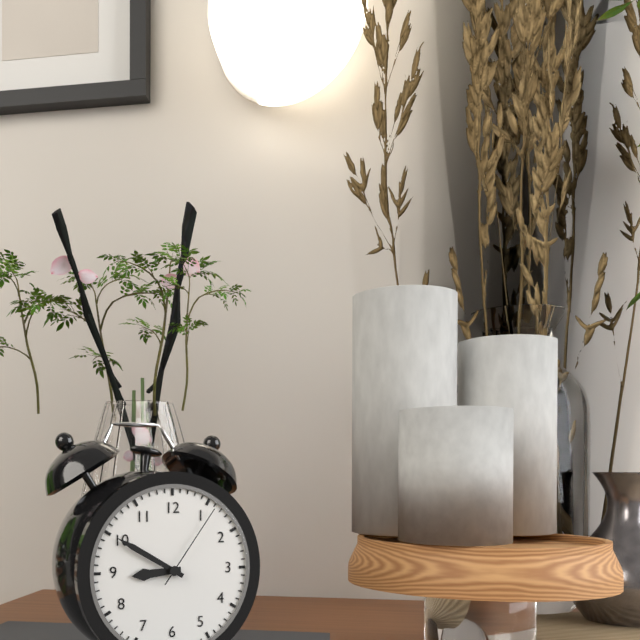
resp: 8,50,06
